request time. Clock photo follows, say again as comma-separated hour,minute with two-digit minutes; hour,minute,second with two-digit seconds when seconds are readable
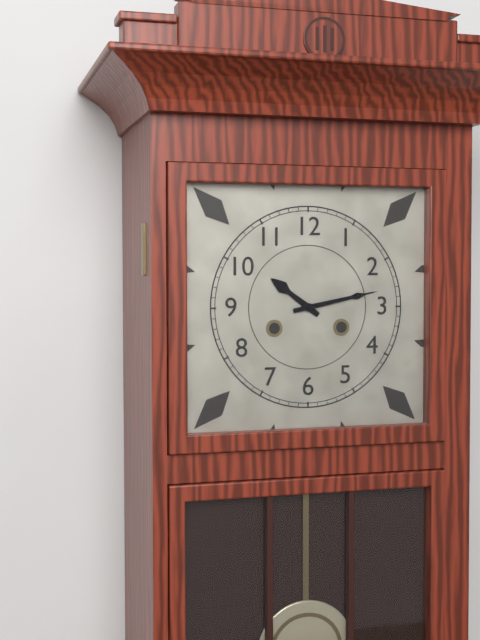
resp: 10,13
